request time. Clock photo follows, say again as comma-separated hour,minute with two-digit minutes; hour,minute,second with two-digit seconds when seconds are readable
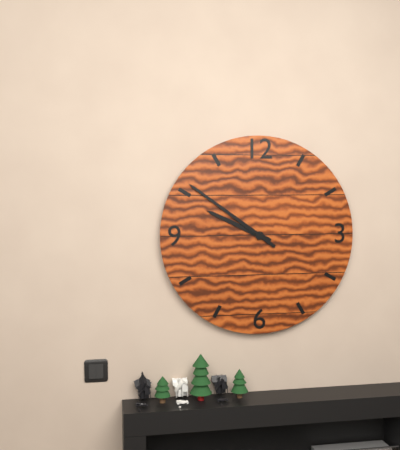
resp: 9,51
